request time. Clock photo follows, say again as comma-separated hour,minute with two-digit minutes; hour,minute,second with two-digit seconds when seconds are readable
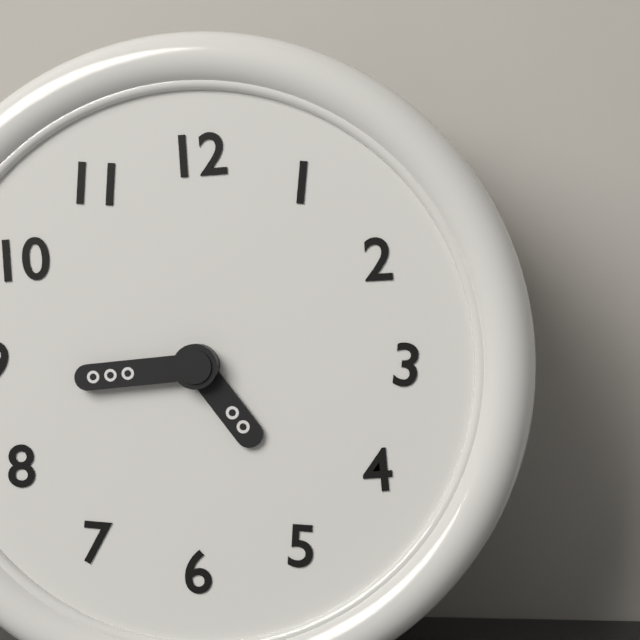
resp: 4,44
